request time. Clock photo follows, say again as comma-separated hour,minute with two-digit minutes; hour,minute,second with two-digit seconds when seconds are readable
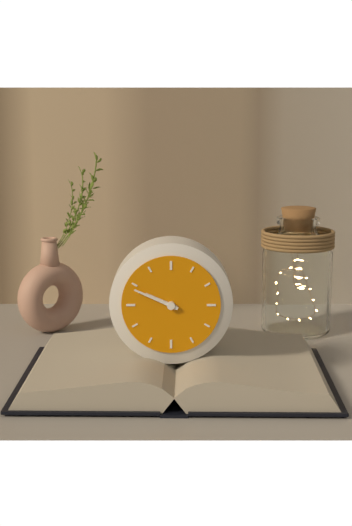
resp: 9,49
